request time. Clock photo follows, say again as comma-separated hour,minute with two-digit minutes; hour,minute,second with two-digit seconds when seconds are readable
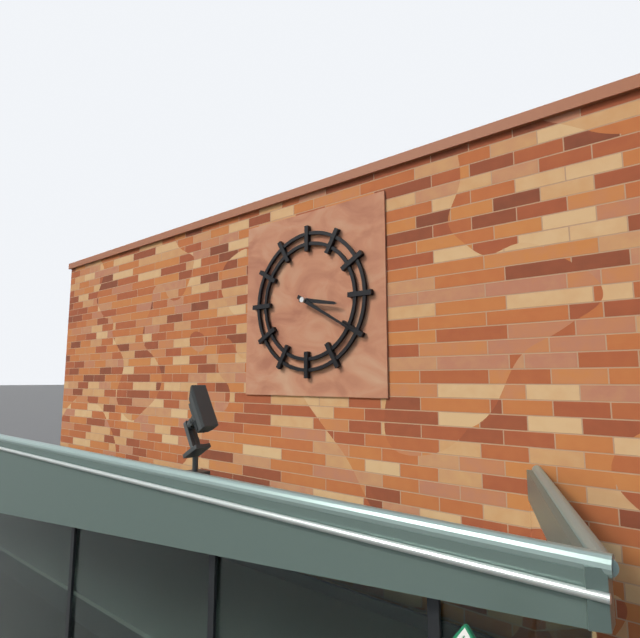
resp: 3,20
